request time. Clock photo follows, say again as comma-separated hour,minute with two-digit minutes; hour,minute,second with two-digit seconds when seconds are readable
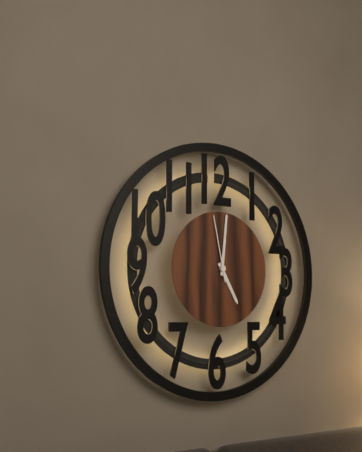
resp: 5,01,58
